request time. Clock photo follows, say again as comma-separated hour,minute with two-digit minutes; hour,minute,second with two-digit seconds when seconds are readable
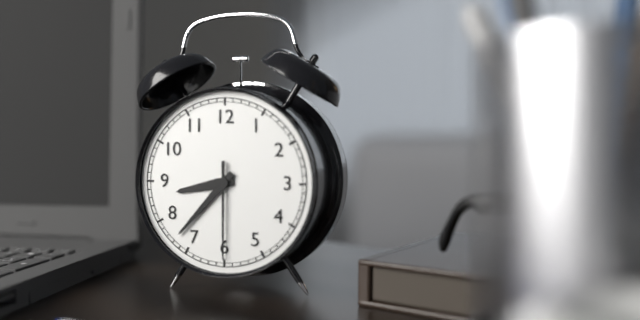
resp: 8,37,30
